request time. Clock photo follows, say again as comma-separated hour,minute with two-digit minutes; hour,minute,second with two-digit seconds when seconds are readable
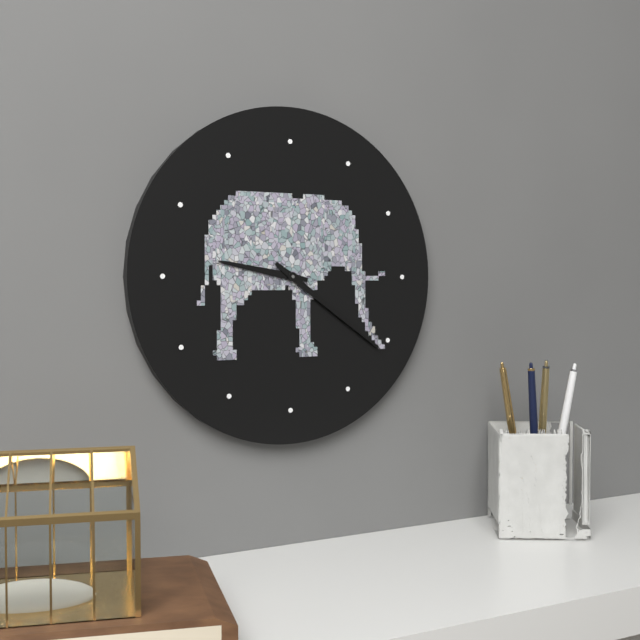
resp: 9,21
